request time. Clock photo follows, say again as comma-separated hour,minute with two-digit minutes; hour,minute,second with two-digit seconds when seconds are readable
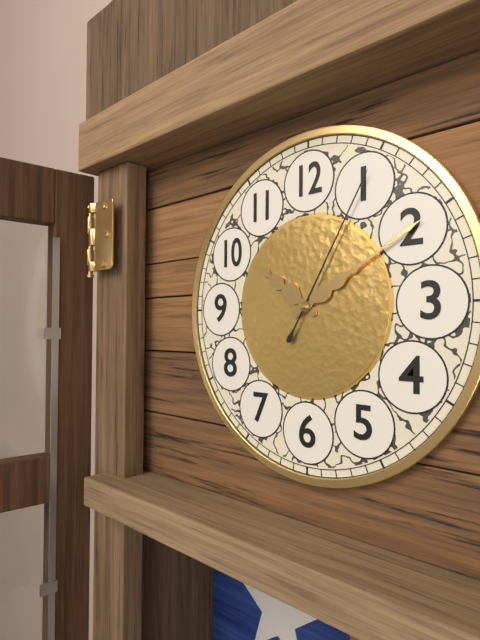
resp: 10,10,05
